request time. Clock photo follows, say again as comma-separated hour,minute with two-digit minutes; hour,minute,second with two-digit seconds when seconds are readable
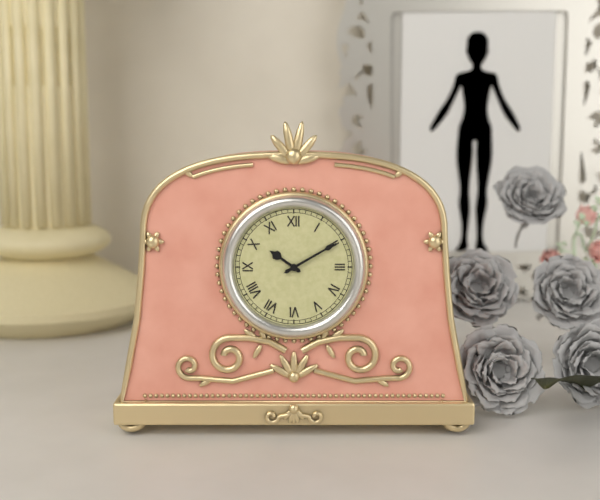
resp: 10,10
